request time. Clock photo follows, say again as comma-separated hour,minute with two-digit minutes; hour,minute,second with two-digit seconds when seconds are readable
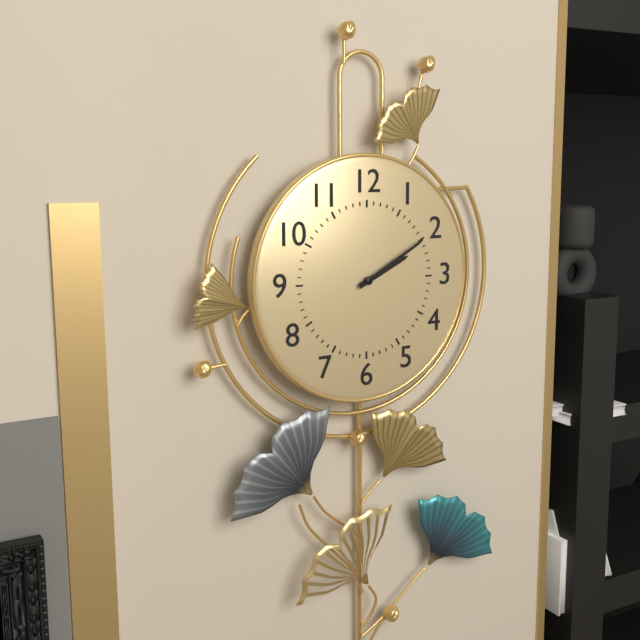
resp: 2,10
